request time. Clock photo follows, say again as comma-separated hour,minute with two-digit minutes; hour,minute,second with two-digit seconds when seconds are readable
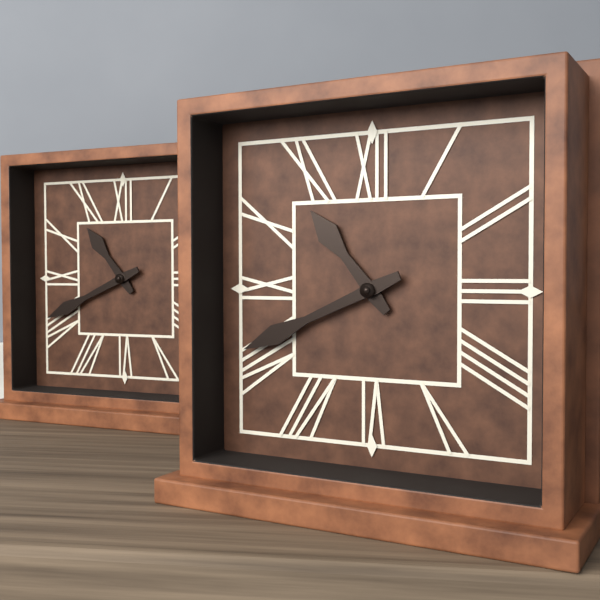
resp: 10,41
